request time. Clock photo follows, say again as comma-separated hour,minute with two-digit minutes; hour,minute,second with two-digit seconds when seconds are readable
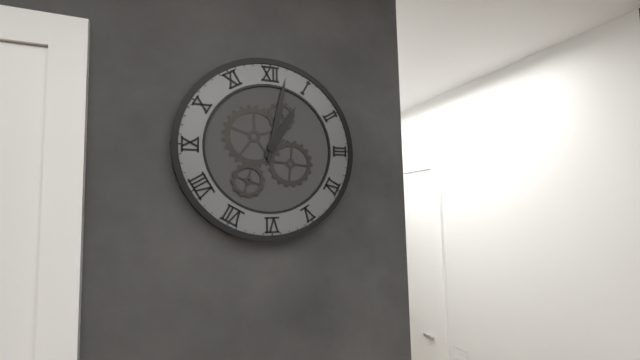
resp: 1,02
